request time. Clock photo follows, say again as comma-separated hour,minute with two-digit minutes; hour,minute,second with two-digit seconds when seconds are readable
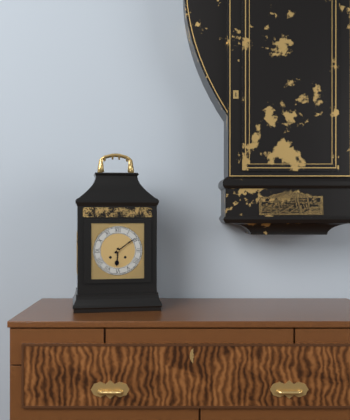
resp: 6,09
